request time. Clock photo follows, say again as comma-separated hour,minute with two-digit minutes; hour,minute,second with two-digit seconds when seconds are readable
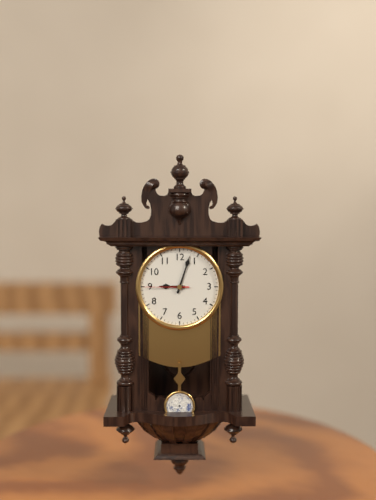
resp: 9,03
